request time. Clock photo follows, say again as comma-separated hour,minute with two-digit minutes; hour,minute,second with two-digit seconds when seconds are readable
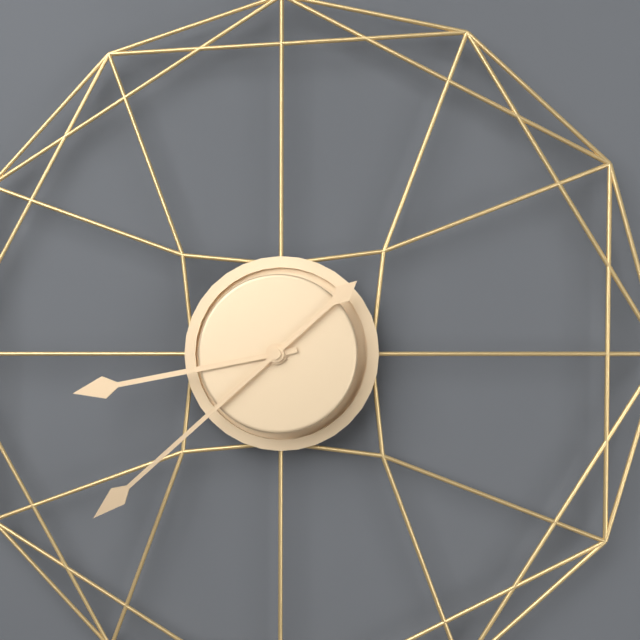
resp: 8,38
